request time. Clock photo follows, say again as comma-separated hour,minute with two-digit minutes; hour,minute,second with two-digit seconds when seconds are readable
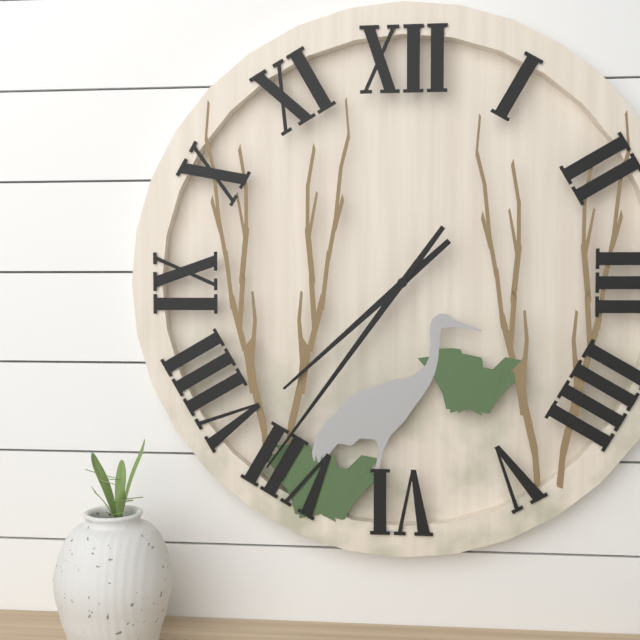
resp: 7,36
